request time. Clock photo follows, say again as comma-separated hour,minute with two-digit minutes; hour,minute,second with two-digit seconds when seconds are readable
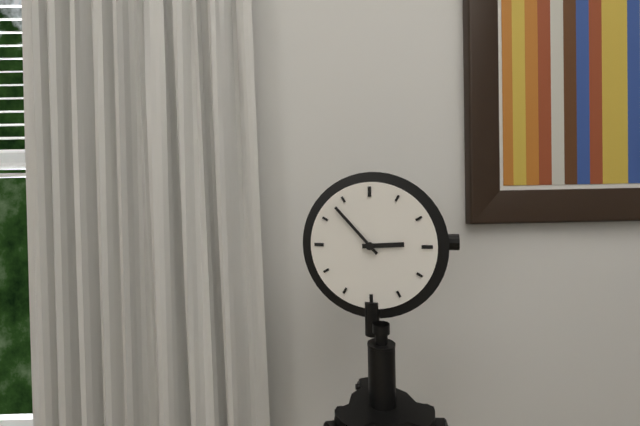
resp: 2,53
